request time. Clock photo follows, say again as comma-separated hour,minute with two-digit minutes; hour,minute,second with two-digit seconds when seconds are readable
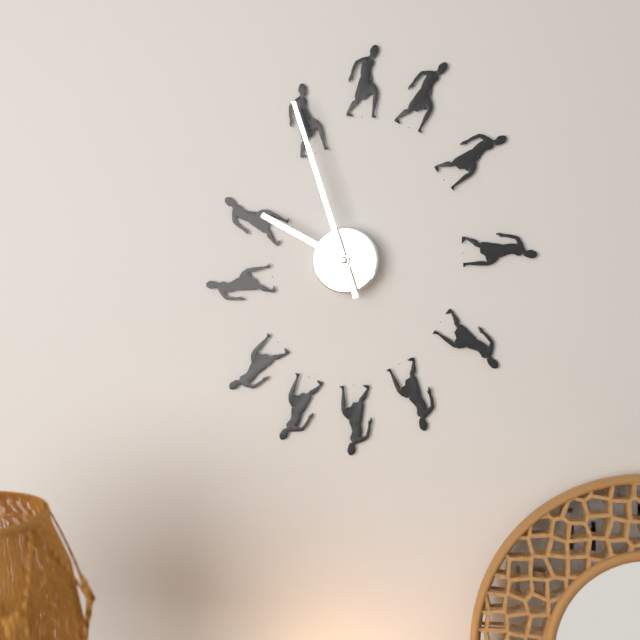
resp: 9,57
